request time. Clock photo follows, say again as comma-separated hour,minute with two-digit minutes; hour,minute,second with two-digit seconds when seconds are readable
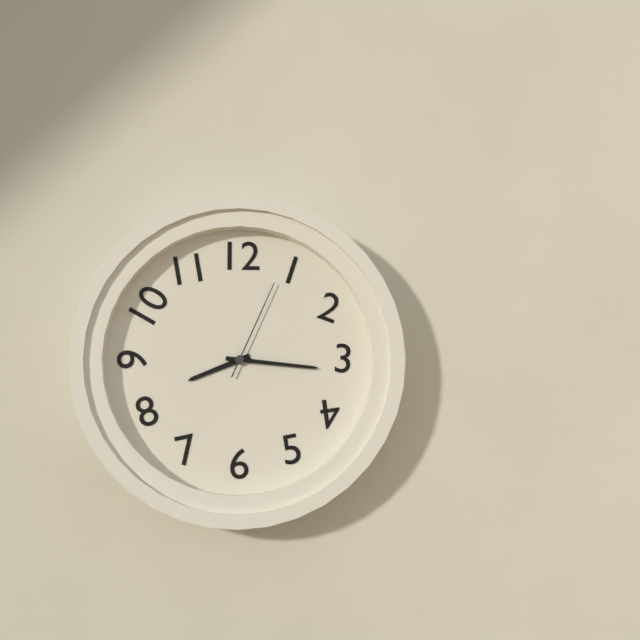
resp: 8,16,04
